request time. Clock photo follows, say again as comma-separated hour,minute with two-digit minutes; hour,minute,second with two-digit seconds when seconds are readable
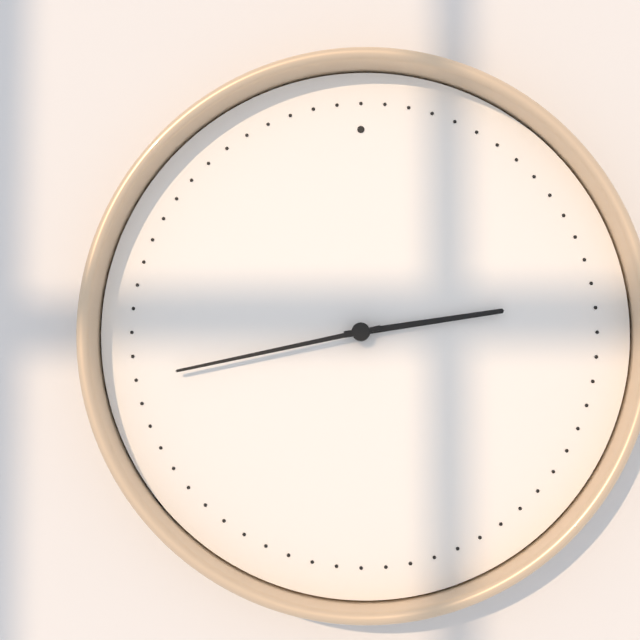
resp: 2,43
